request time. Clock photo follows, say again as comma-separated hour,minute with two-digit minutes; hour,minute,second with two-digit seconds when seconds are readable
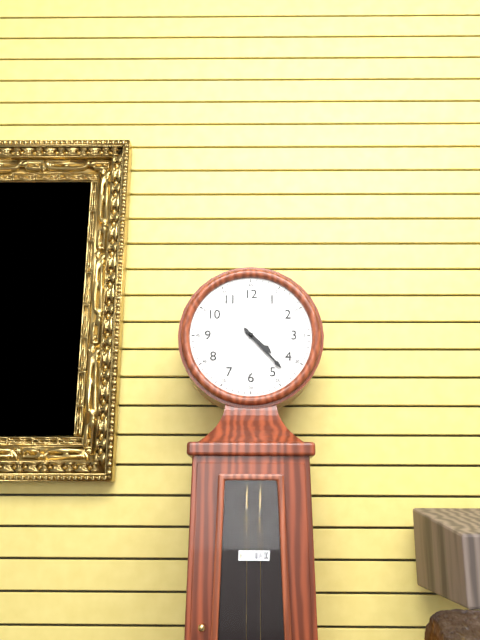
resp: 4,23
